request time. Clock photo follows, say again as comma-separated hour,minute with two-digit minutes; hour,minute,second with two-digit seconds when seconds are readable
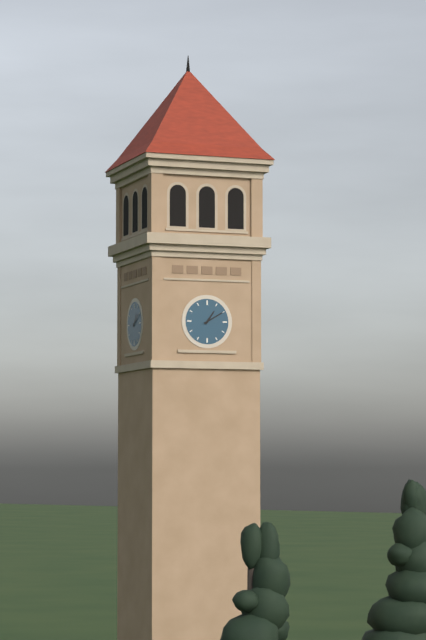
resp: 1,10
